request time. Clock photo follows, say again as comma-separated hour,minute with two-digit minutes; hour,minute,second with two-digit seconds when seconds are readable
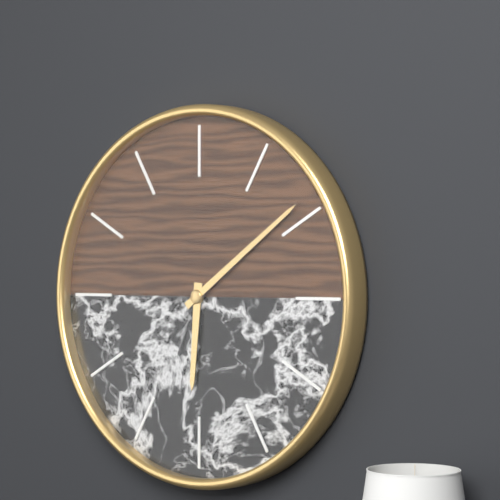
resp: 6,09
